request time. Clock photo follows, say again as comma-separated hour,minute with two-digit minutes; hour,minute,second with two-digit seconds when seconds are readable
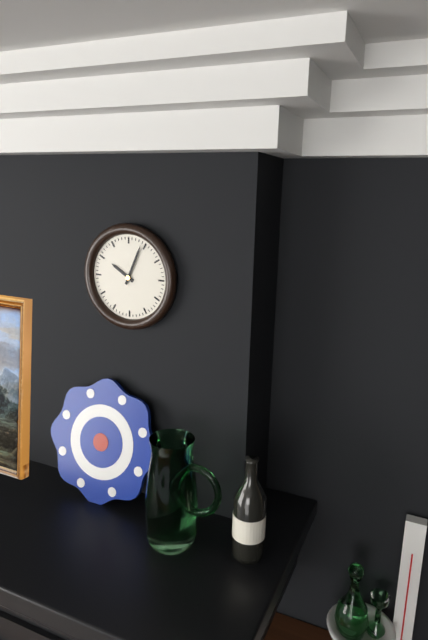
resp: 10,04
